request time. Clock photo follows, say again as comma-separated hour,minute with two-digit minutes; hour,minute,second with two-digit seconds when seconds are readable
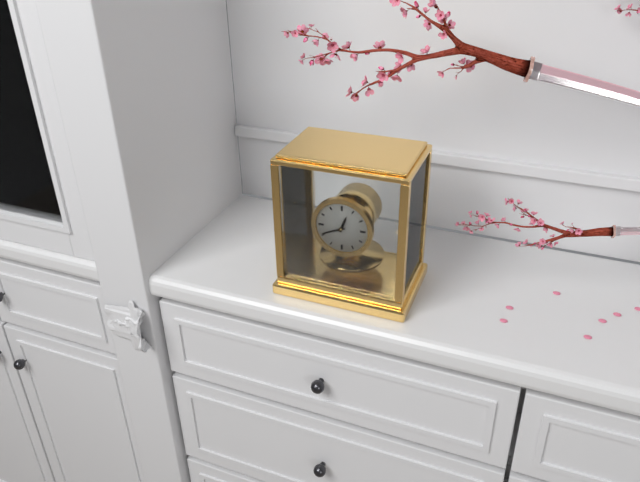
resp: 12,41
